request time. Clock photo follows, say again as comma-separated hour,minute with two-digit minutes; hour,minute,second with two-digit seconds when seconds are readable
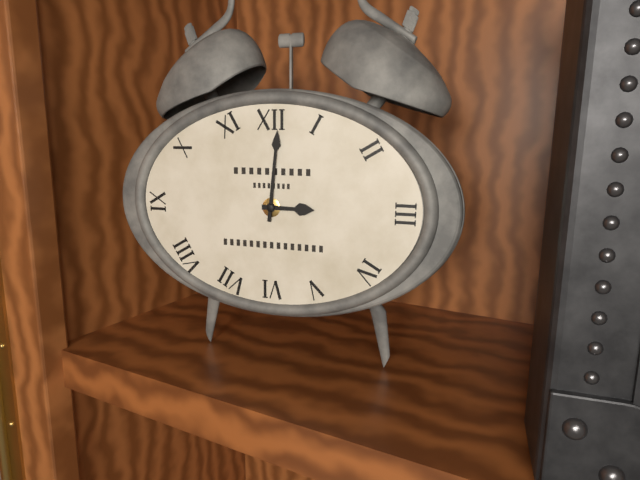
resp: 3,01
